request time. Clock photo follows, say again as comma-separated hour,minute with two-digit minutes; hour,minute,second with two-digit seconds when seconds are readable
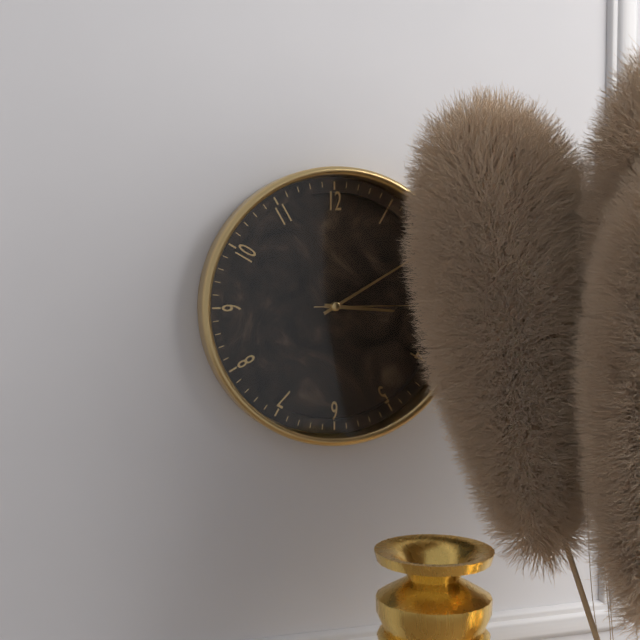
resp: 3,10,15
